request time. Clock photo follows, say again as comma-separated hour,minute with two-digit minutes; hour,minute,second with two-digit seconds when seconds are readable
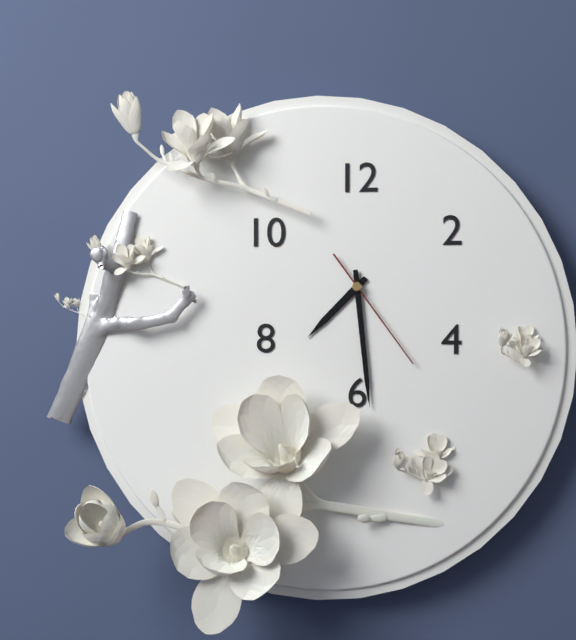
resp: 7,29,24
